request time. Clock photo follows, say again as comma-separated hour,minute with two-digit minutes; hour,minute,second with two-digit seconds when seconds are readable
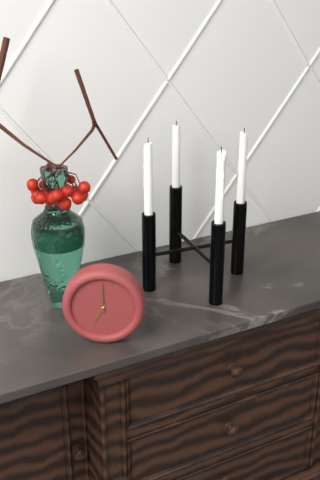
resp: 7,00
